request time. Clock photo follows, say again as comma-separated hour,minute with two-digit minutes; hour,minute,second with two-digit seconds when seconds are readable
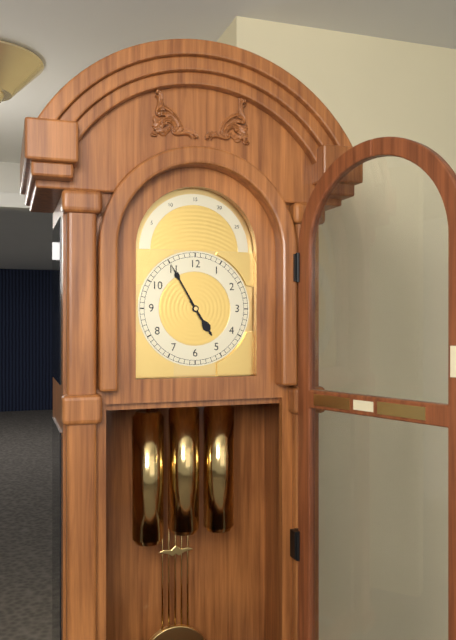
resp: 4,55
